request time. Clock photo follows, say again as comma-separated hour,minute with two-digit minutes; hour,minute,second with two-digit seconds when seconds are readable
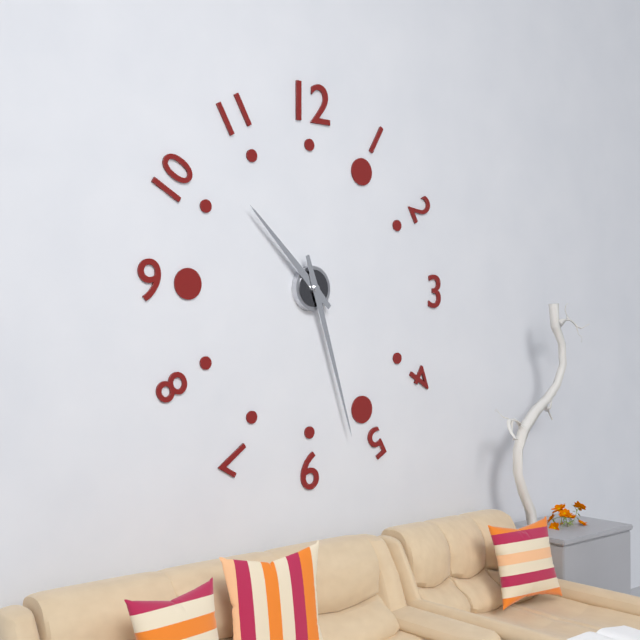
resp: 10,27
